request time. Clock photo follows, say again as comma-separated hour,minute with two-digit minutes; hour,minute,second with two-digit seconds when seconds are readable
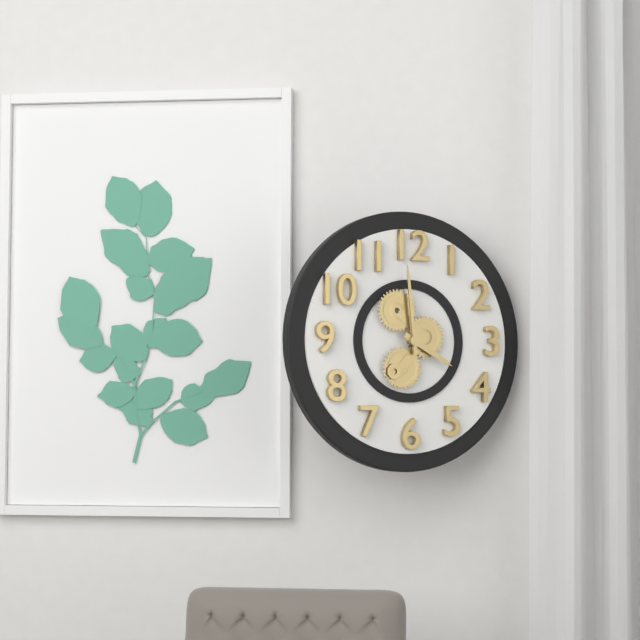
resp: 3,59
